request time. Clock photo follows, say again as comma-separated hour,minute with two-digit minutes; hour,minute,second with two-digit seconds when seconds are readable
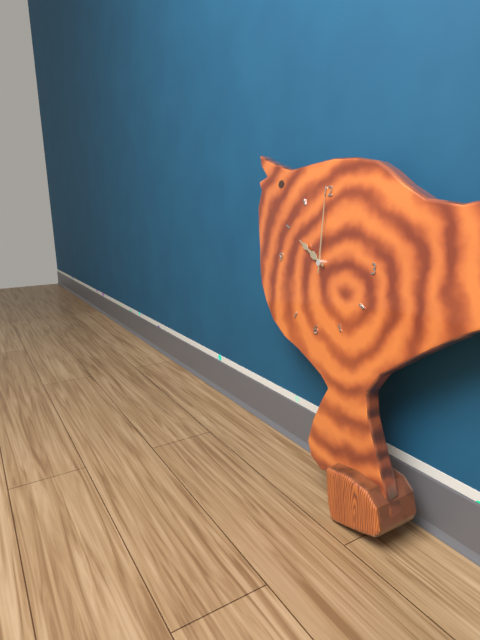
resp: 10,00
